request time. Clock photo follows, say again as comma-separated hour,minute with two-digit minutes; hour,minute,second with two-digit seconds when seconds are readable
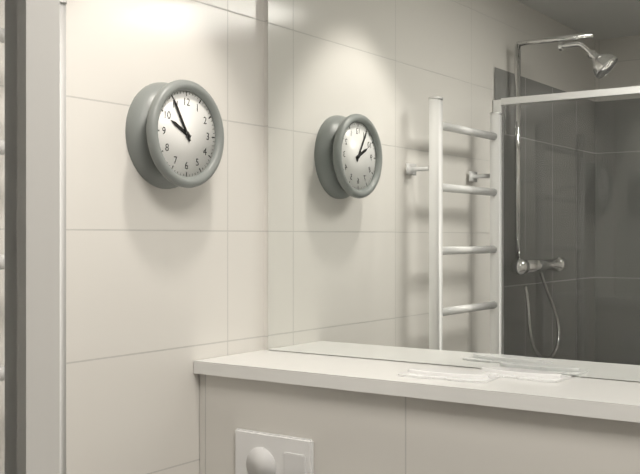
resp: 9,55
